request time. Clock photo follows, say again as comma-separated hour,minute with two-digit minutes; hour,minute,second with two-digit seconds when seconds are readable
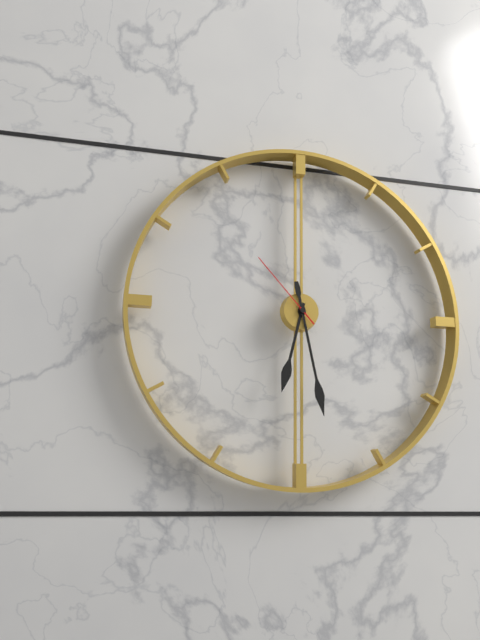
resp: 6,28,53
